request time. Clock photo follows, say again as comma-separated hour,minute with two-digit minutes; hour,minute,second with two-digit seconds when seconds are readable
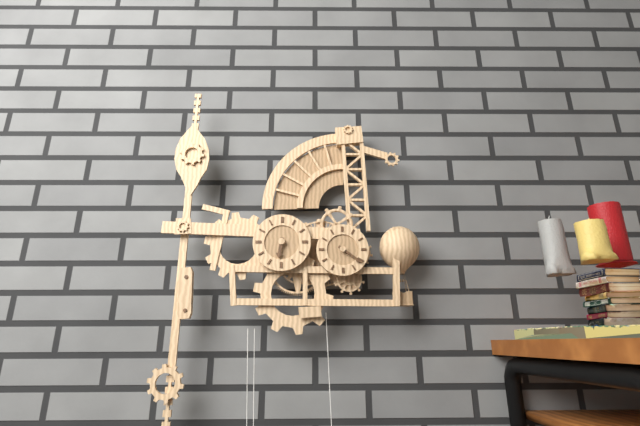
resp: 6,21
